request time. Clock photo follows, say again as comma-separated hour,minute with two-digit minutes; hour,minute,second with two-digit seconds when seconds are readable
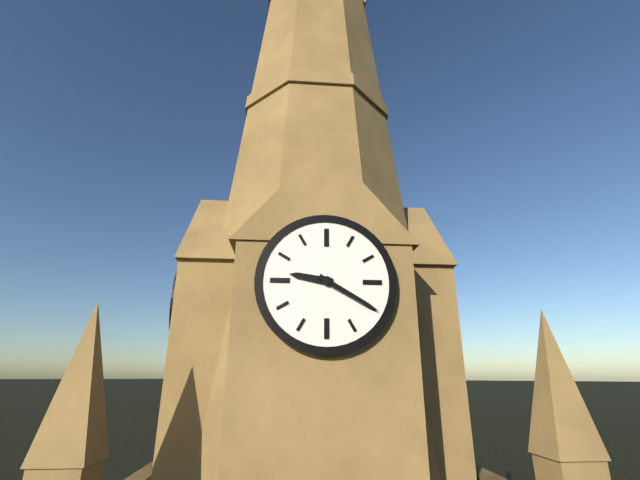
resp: 9,20
